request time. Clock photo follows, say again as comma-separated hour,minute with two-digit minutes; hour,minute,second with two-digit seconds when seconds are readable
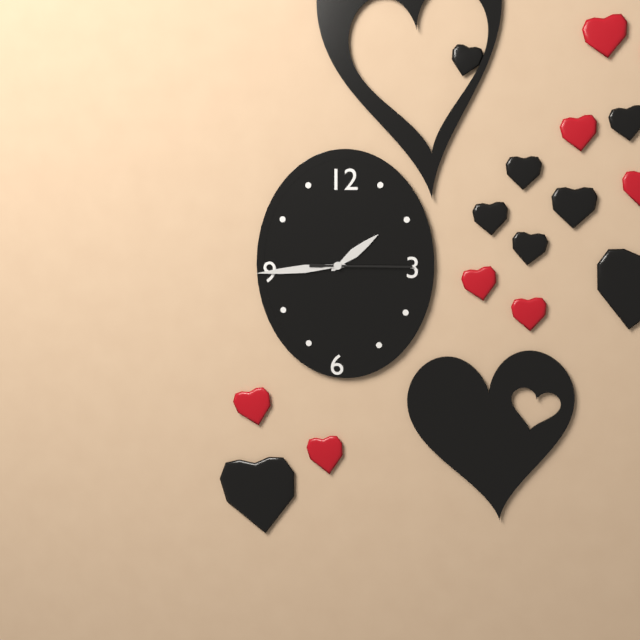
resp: 1,44,15
